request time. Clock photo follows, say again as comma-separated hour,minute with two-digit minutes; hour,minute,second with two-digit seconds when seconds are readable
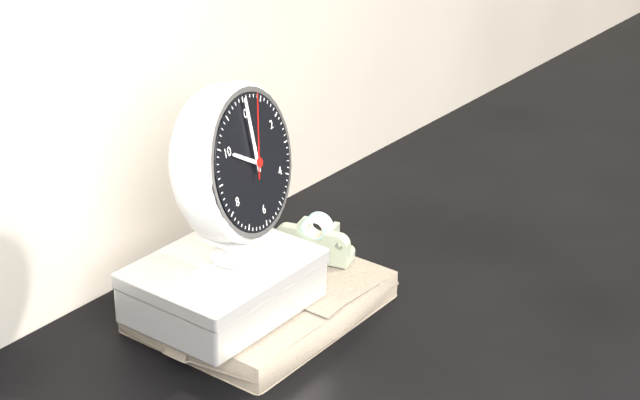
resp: 10,00,03
